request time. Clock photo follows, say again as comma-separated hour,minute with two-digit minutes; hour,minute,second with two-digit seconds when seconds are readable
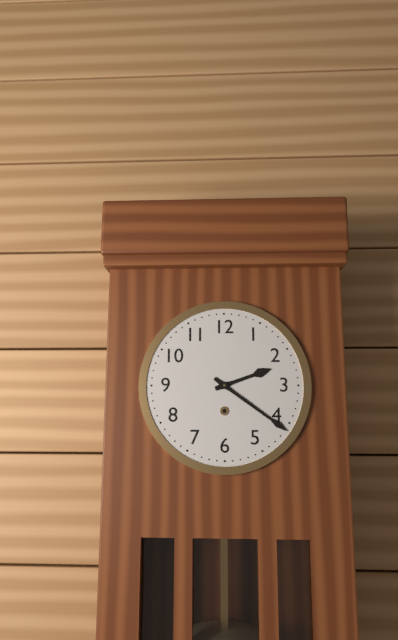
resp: 2,21
